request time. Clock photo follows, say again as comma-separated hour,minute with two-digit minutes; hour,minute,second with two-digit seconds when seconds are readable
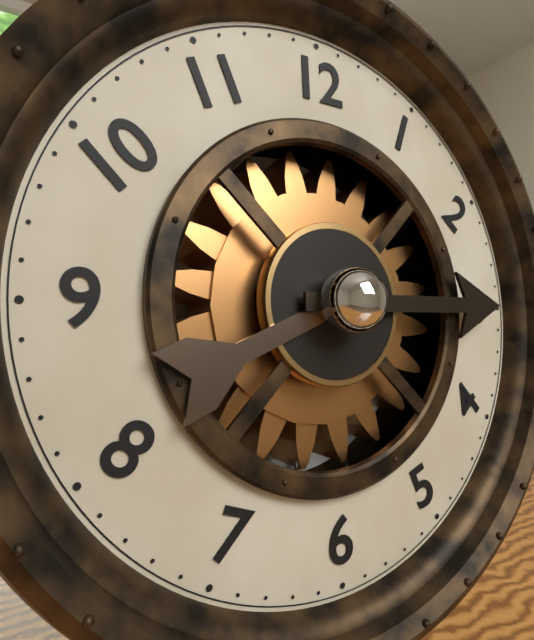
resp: 8,15
